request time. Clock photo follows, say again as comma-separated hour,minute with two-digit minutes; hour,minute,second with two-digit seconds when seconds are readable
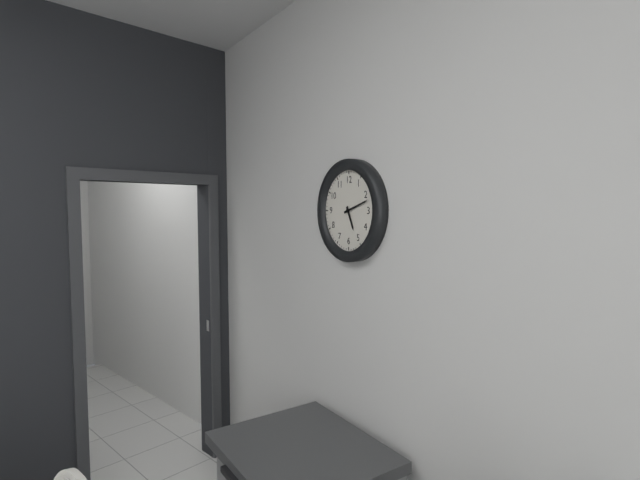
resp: 5,12
